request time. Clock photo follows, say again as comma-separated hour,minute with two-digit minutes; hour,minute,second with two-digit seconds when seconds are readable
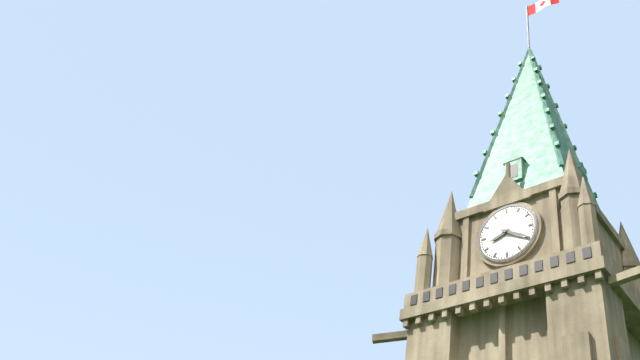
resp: 8,20
